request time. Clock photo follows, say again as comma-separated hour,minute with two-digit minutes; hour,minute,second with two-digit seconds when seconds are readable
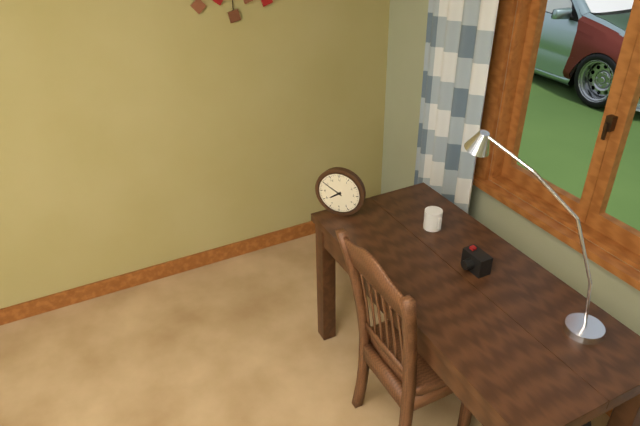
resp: 7,50
